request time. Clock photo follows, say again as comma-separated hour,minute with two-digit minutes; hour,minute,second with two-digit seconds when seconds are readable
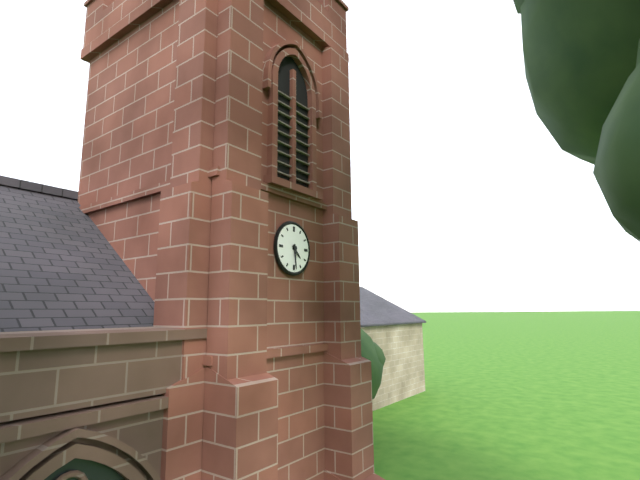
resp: 4,29
